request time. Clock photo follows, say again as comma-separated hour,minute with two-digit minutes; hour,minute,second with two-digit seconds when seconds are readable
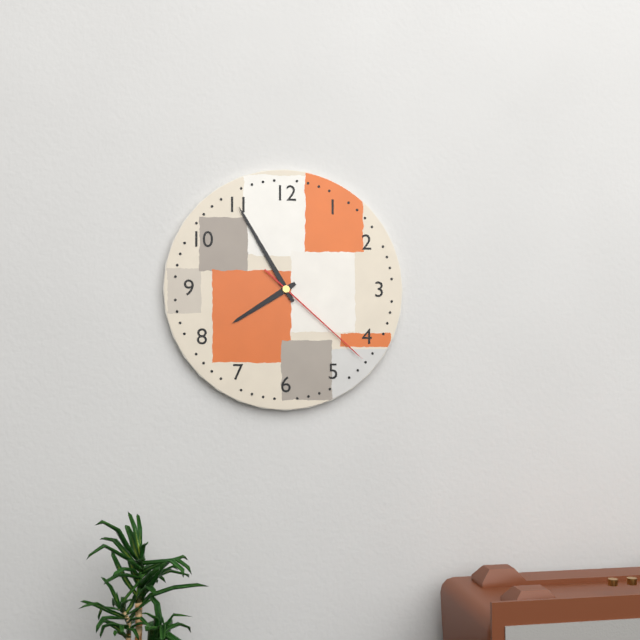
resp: 7,55,22
